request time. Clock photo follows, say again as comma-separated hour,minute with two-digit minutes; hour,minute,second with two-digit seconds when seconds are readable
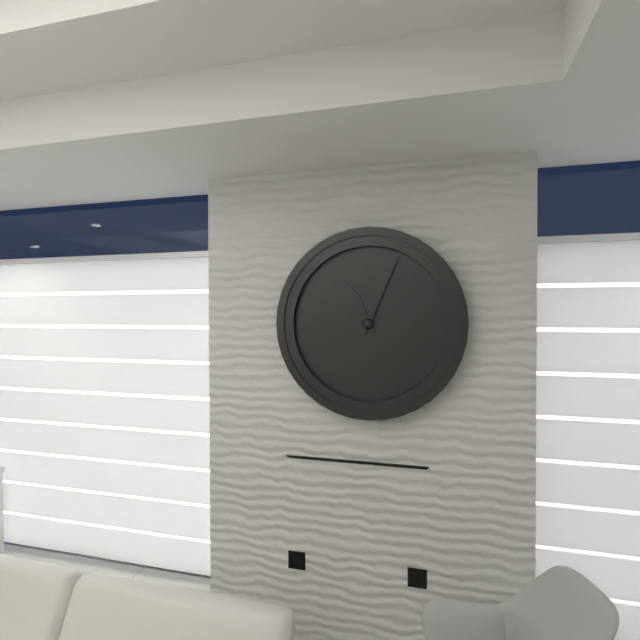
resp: 11,04
